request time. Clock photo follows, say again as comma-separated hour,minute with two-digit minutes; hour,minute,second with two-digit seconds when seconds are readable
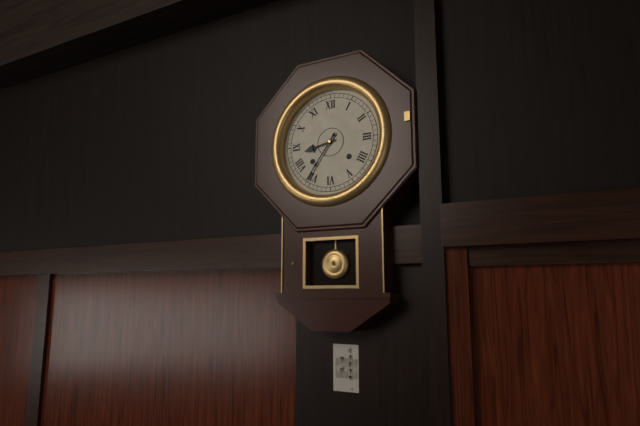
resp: 8,36
